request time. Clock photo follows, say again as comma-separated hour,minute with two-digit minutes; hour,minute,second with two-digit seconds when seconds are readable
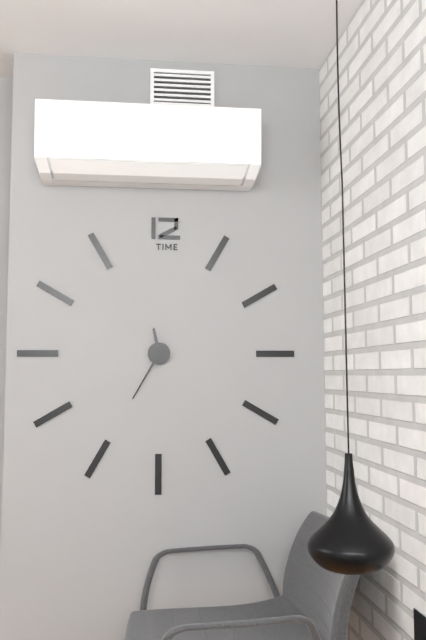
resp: 11,35
